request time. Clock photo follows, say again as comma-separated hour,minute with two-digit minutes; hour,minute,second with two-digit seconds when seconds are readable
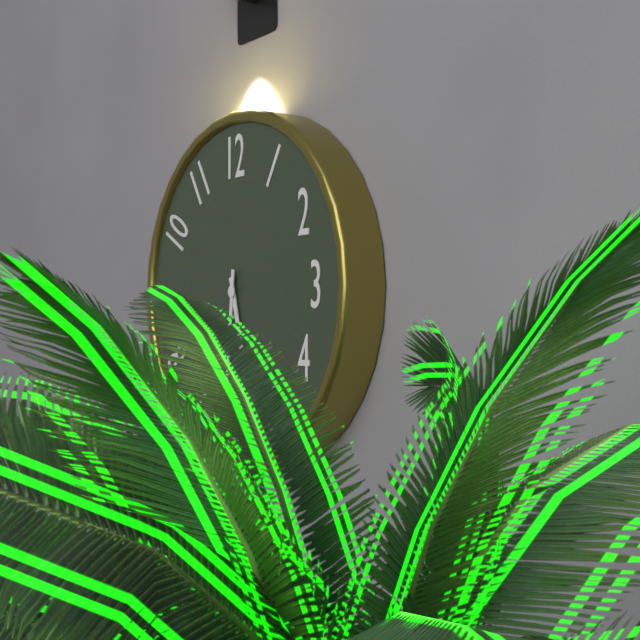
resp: 5,31
